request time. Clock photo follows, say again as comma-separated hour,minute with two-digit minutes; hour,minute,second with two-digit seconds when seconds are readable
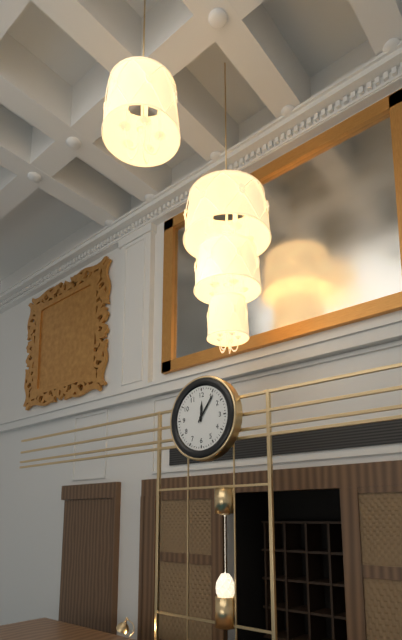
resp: 12,06
